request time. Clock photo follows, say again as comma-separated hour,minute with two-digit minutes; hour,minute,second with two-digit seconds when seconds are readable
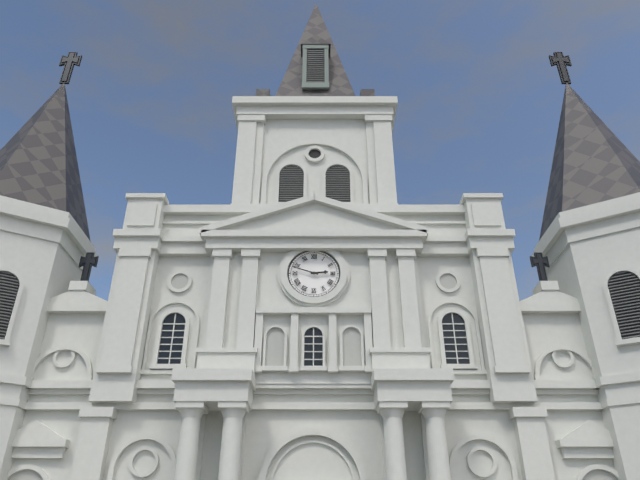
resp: 2,48
